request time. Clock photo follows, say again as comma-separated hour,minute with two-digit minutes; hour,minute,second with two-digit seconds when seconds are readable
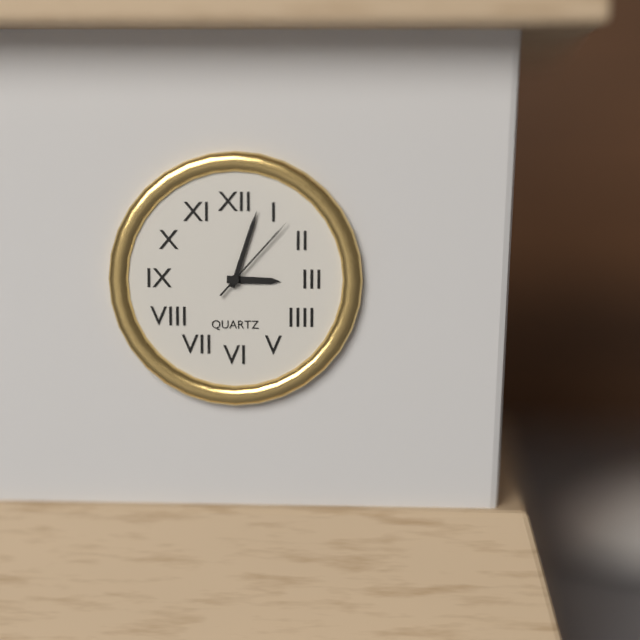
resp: 3,03,07
